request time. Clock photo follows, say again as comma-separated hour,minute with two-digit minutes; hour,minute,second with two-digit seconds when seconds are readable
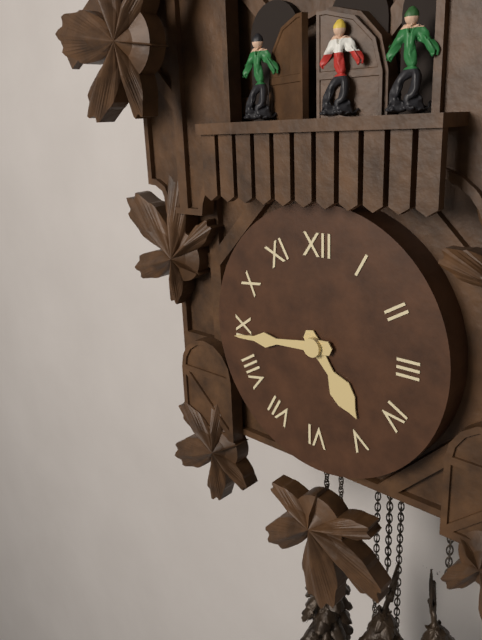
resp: 4,44
